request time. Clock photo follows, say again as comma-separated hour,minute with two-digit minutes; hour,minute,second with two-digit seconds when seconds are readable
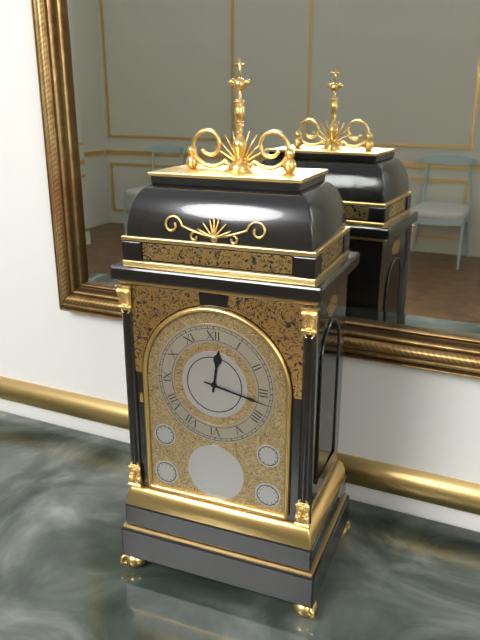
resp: 12,17
